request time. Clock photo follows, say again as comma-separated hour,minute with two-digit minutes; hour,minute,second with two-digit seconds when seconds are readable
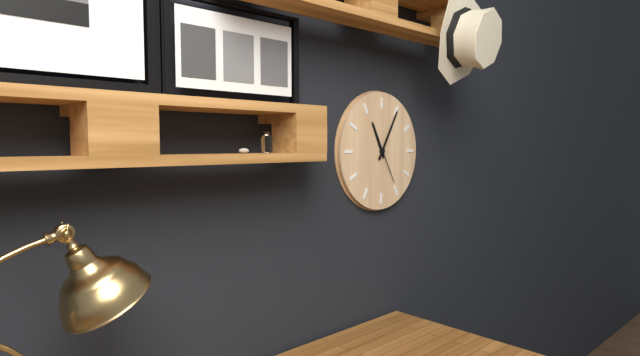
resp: 11,05
